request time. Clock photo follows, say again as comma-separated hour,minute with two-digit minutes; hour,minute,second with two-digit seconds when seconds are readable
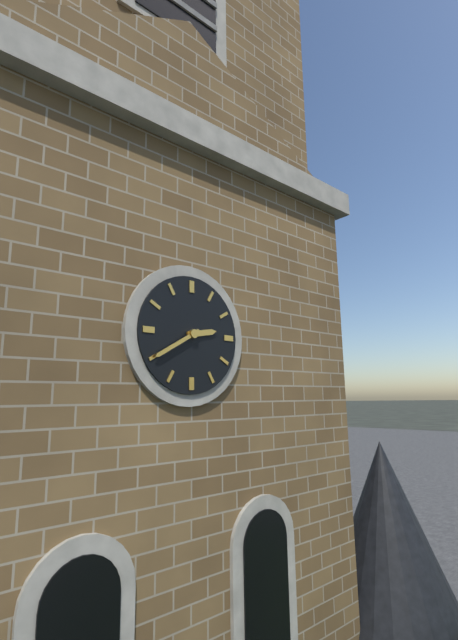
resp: 2,40
